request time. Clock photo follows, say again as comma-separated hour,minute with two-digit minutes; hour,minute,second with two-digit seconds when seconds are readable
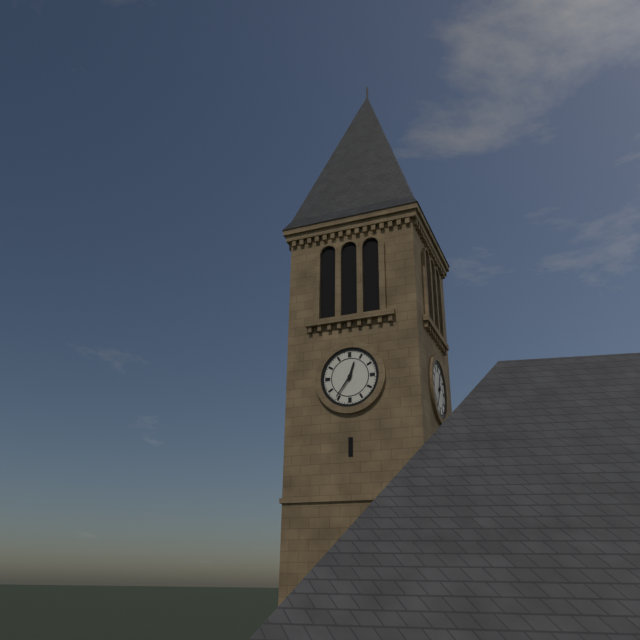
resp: 12,36
